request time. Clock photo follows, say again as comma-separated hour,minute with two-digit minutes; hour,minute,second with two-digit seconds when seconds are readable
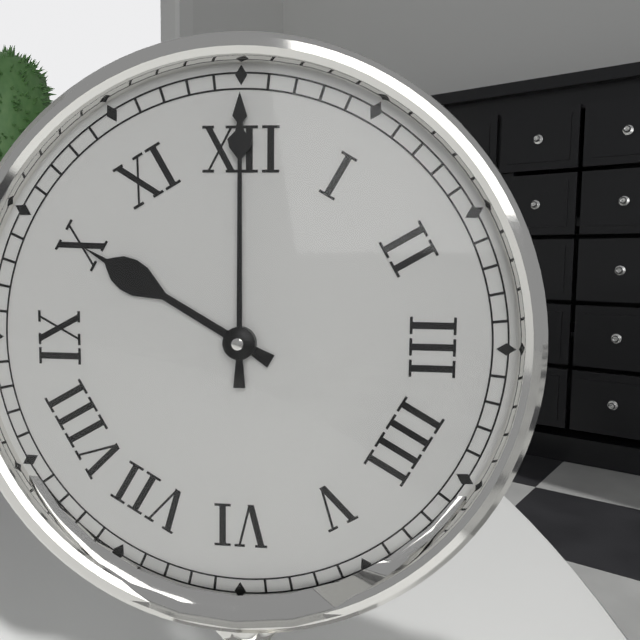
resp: 10,00
